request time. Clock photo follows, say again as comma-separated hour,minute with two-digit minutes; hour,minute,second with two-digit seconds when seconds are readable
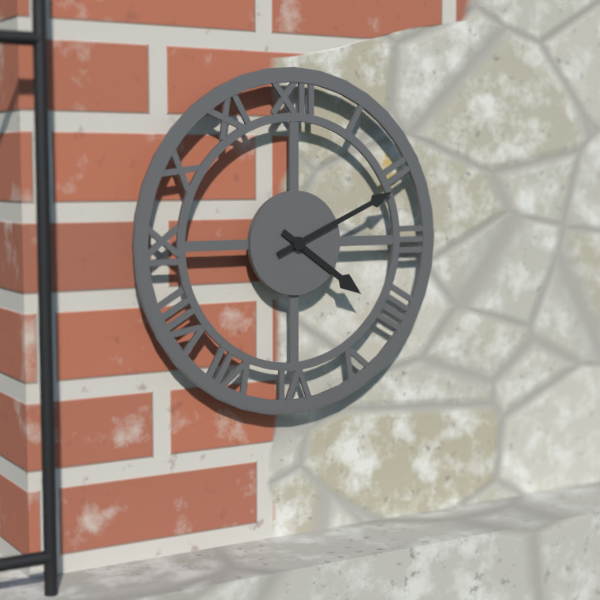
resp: 4,11
